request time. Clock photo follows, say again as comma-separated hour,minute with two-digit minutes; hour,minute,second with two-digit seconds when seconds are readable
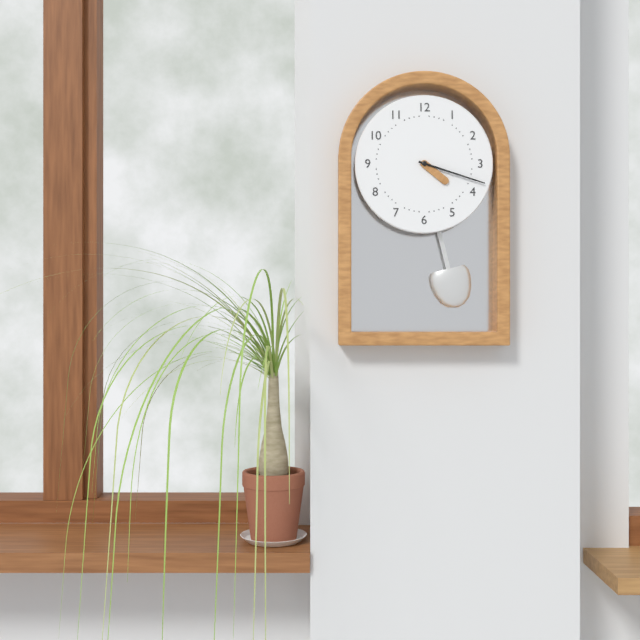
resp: 4,18
